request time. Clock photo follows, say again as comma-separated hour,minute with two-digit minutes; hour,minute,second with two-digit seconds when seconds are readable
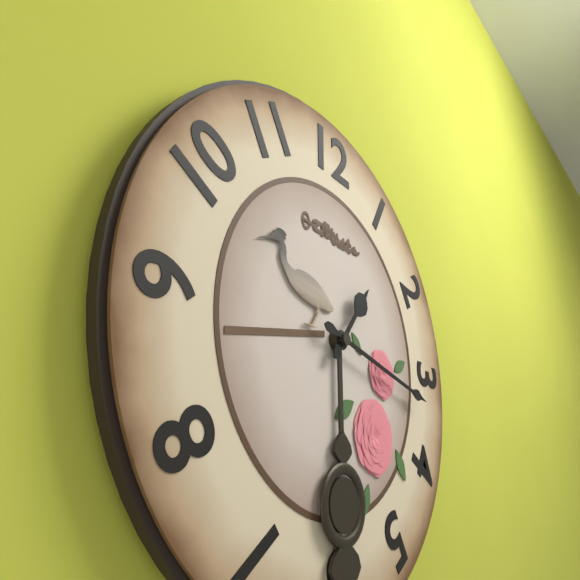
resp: 1,17
